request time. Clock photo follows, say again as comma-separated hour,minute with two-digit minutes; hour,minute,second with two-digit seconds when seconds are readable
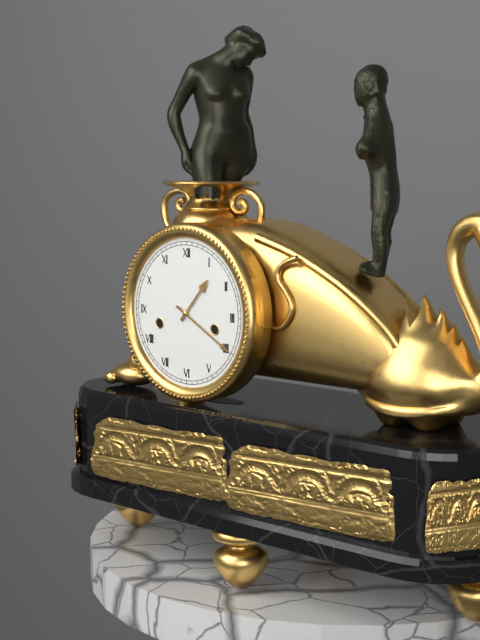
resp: 1,20
